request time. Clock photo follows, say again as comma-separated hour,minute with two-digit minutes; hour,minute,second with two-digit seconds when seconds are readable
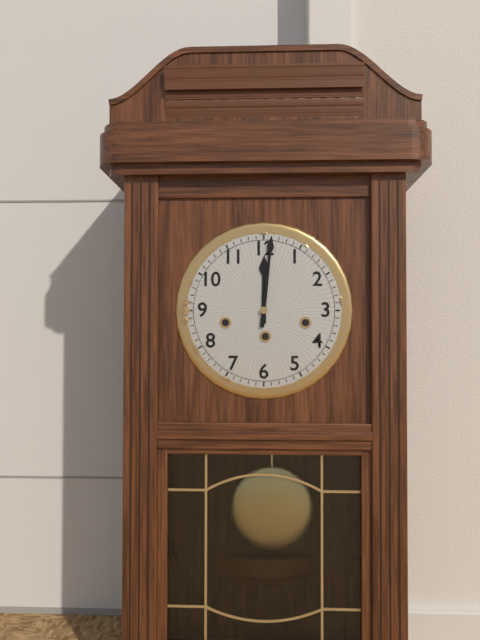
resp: 12,01
